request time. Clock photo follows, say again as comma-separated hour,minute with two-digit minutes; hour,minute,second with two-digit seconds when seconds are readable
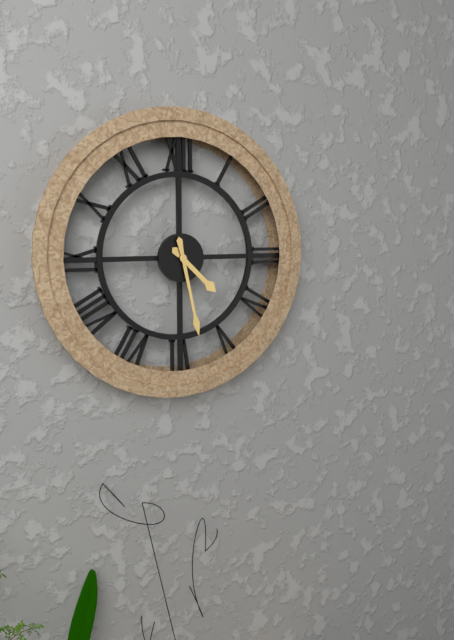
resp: 4,28
